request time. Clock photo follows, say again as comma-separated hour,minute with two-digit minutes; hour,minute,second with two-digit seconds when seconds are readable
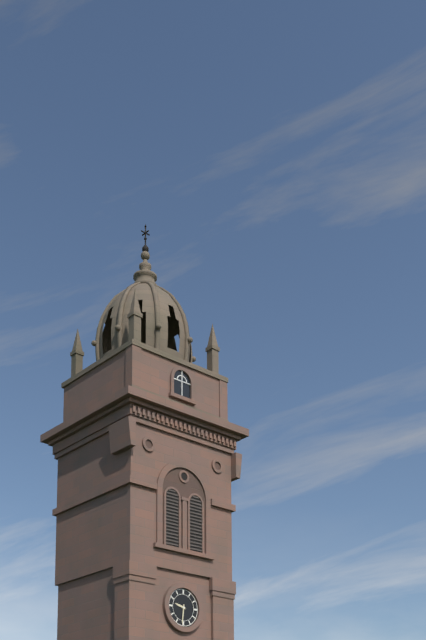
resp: 9,31
